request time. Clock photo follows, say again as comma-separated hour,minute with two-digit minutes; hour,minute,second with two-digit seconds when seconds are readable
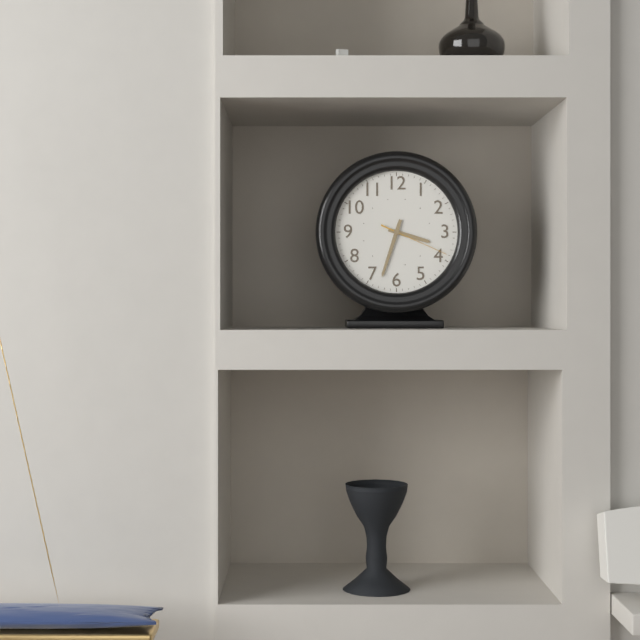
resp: 3,33,19
